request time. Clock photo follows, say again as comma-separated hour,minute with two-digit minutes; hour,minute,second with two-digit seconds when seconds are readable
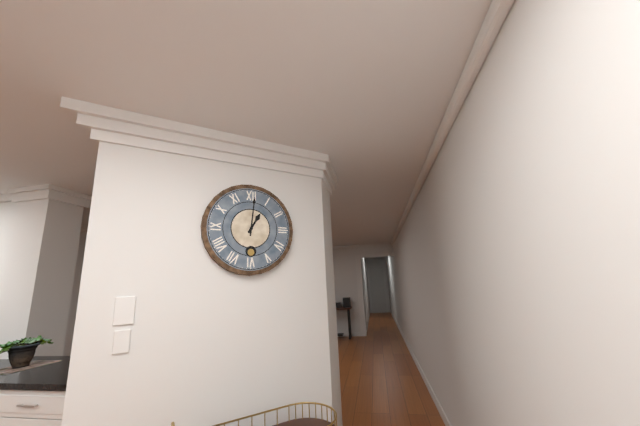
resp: 1,01
